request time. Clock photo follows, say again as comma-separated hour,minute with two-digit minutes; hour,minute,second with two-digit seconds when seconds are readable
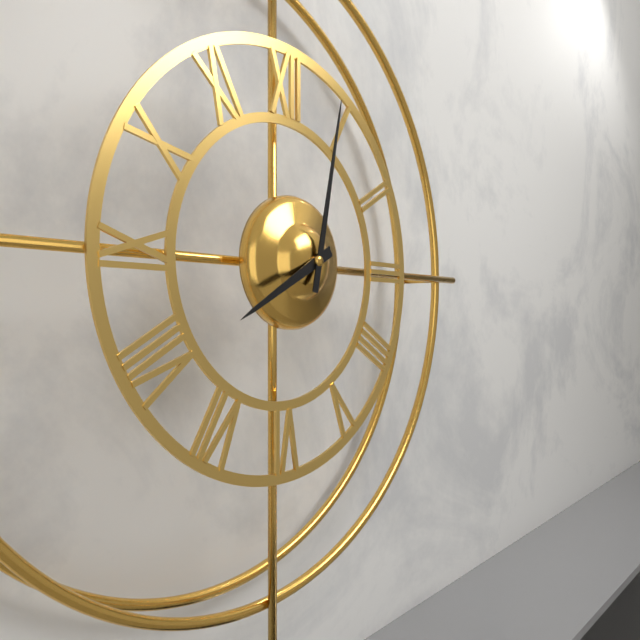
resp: 8,02
